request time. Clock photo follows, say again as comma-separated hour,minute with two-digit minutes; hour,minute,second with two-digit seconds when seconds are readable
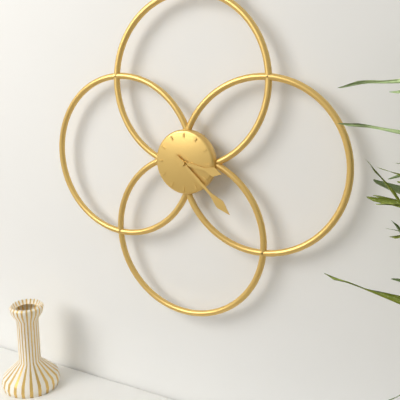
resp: 3,22
